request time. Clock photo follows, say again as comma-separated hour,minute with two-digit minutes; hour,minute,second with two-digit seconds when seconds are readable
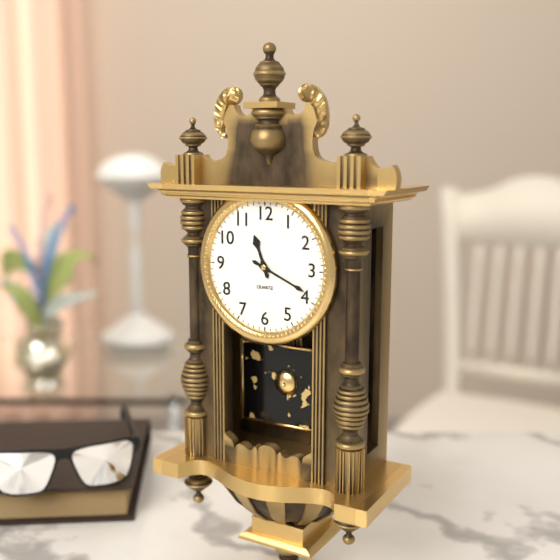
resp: 11,19
